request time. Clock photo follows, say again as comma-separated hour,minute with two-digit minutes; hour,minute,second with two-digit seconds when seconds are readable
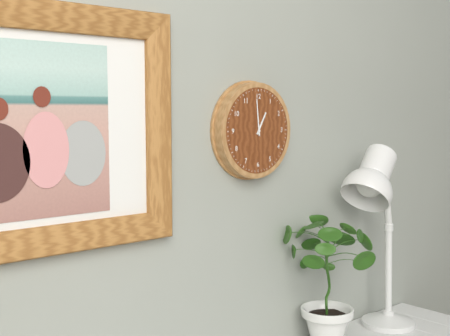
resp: 12,59
